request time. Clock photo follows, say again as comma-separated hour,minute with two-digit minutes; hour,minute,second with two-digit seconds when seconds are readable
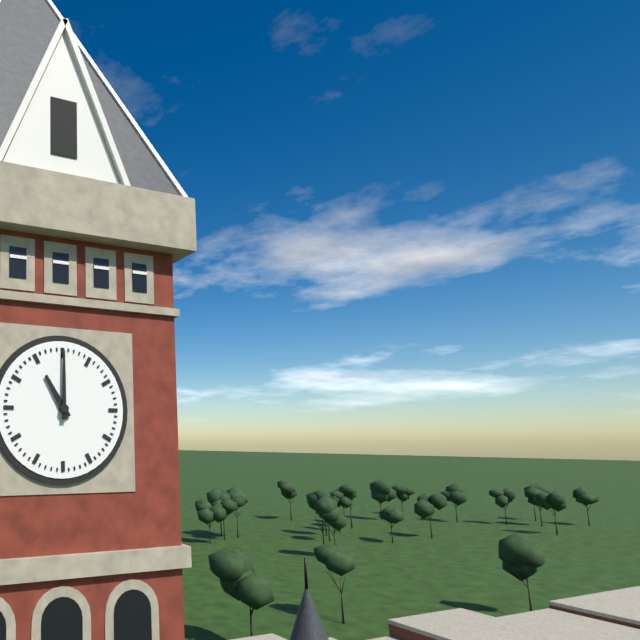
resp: 11,00
